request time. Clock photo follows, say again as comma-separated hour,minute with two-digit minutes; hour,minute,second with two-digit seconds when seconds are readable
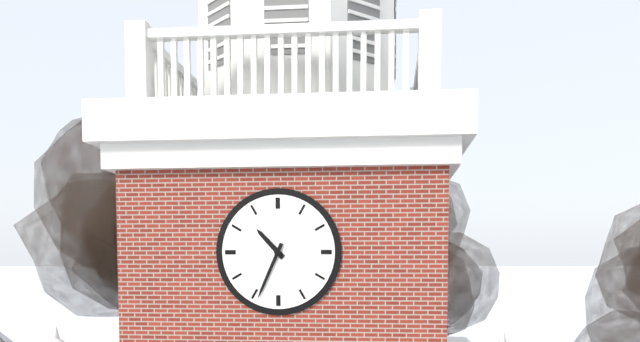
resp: 10,34
